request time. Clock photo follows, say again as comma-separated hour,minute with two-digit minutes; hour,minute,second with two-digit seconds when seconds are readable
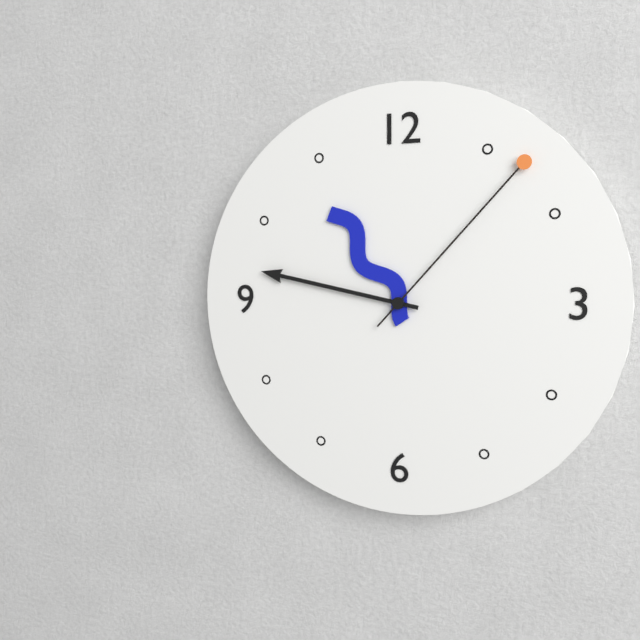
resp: 10,47,07
